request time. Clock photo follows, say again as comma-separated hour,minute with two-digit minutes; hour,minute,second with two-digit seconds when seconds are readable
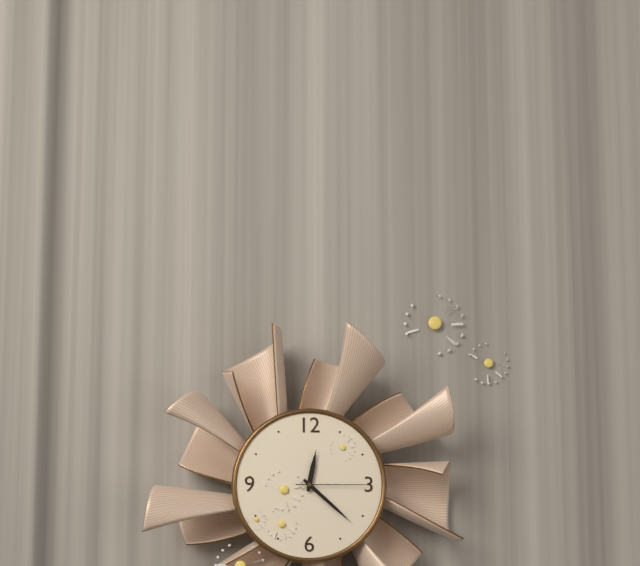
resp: 12,22,15
